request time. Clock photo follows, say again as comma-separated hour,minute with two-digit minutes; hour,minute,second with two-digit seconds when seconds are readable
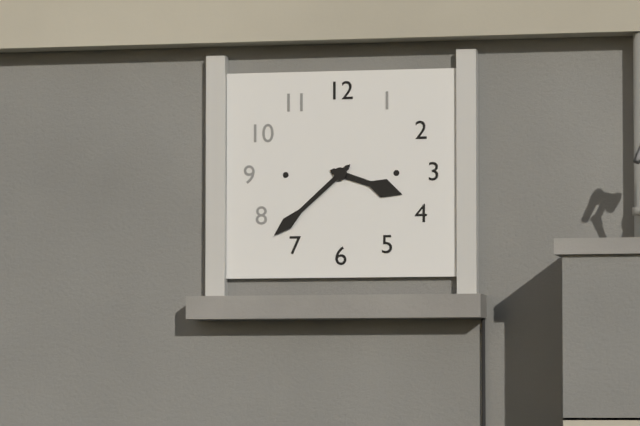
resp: 3,38
